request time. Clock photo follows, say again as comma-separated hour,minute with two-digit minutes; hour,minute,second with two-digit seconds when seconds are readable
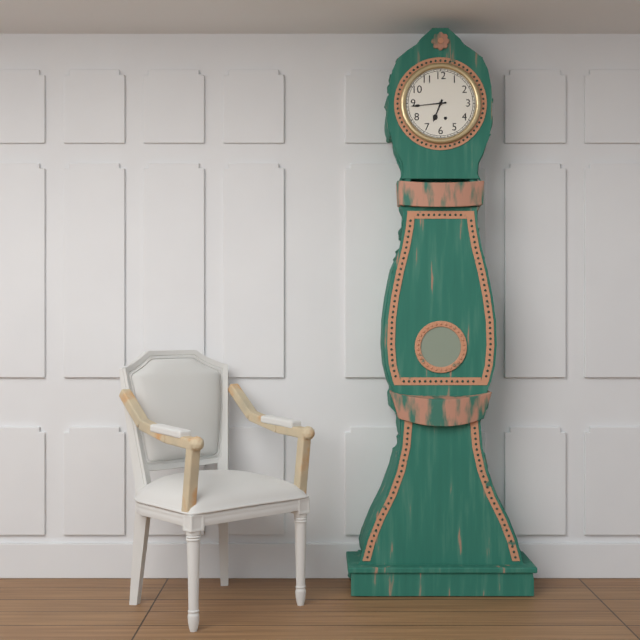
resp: 6,44
